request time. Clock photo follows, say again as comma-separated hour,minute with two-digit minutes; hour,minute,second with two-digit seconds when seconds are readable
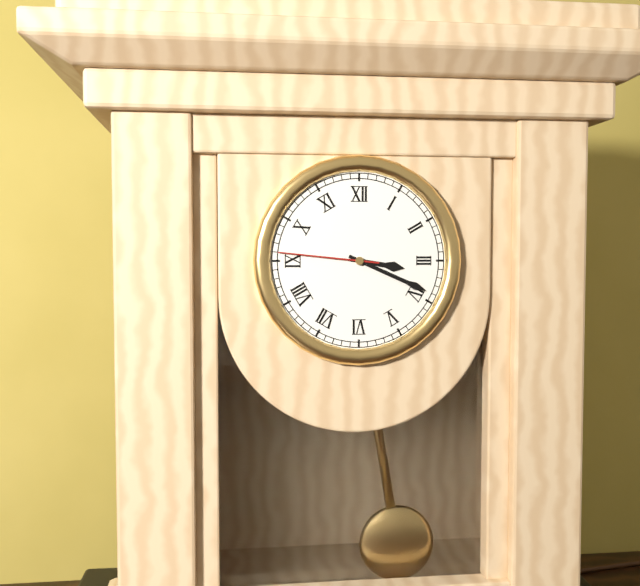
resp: 3,19,46
